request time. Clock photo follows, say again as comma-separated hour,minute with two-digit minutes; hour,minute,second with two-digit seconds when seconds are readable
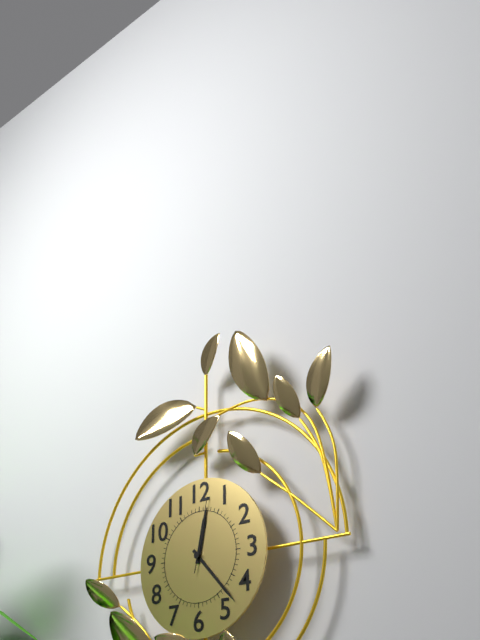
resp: 12,23,02
